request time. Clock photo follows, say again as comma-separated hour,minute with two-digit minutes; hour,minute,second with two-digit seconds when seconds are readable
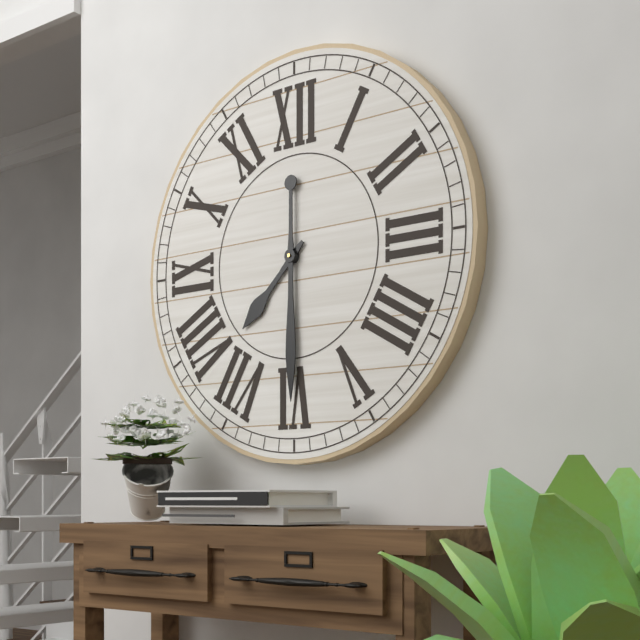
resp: 7,30
